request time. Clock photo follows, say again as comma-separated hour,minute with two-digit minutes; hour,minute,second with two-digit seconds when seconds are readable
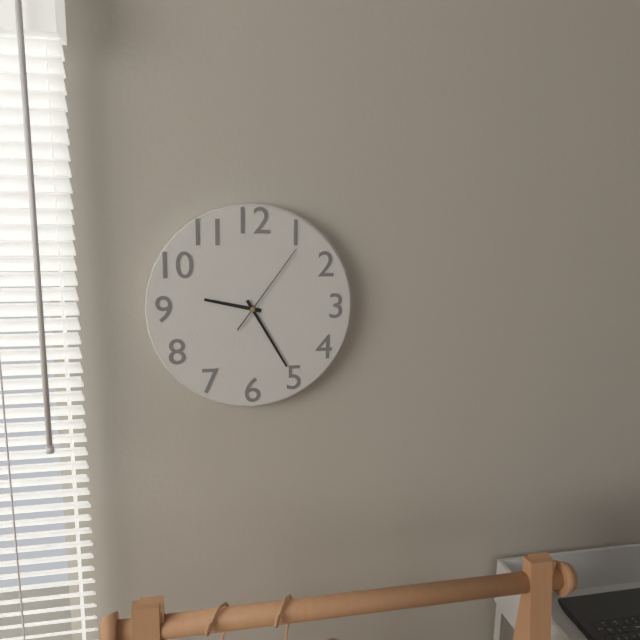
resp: 9,25,06
